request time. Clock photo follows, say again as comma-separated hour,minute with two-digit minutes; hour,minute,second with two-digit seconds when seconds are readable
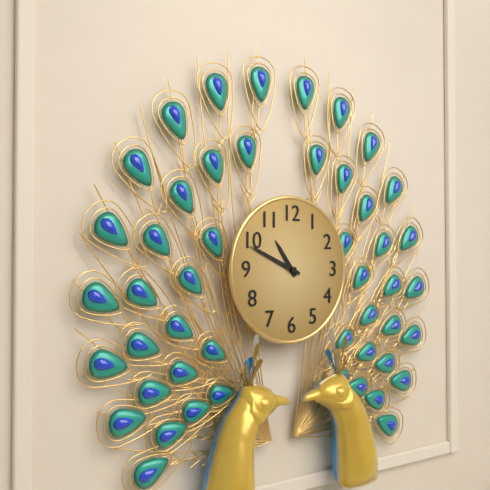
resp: 10,49
